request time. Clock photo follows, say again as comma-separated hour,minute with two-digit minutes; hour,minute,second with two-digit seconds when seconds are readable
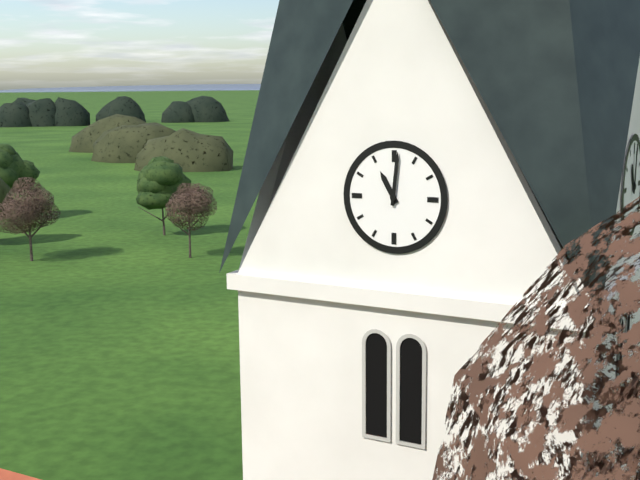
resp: 11,01
